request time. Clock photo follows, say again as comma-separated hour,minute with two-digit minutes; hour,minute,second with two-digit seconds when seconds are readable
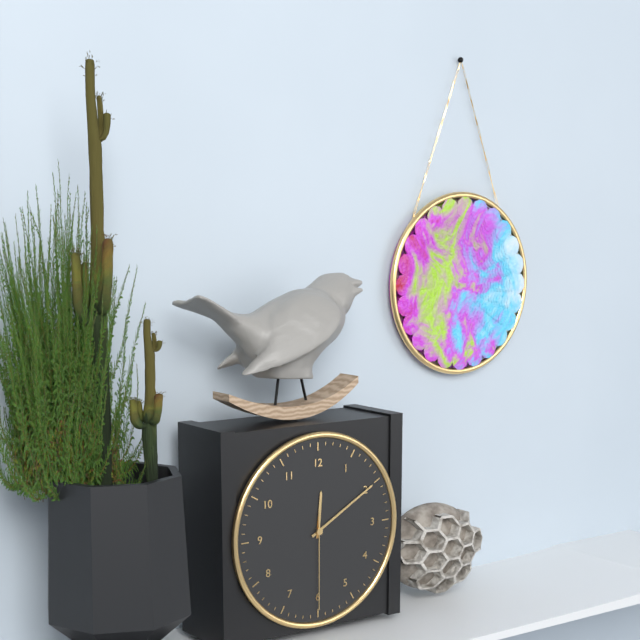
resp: 12,10,30
